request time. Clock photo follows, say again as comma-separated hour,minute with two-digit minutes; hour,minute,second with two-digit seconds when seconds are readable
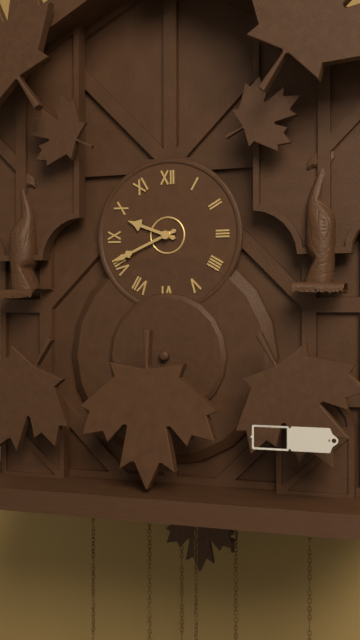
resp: 9,41
